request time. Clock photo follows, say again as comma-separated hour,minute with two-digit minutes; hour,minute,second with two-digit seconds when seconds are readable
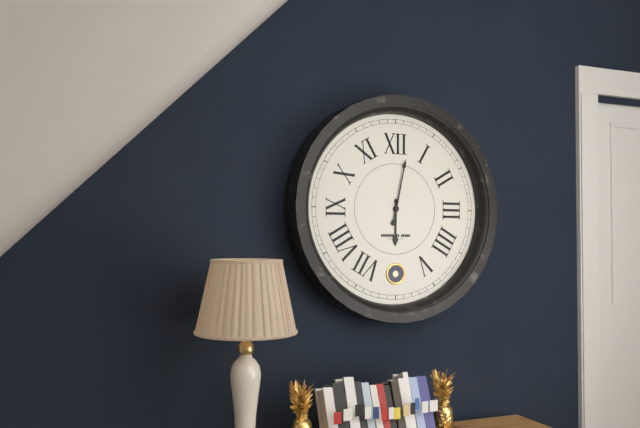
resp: 6,02
